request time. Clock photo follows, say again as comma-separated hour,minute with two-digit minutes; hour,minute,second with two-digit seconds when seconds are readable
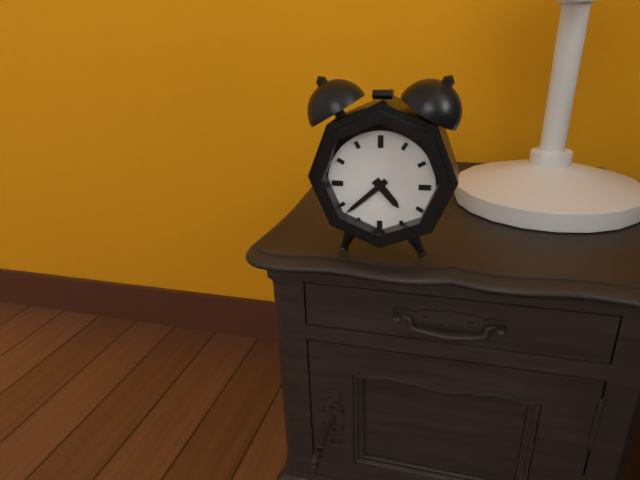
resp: 4,38
